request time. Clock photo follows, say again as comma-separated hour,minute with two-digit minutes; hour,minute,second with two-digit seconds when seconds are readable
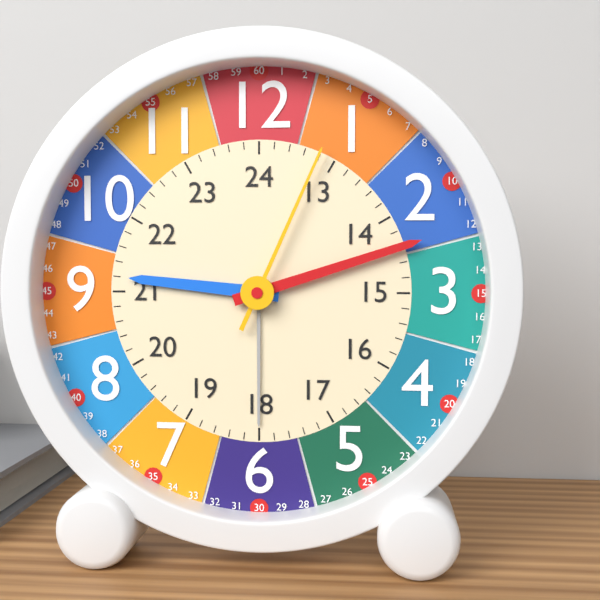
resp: 9,12,04
